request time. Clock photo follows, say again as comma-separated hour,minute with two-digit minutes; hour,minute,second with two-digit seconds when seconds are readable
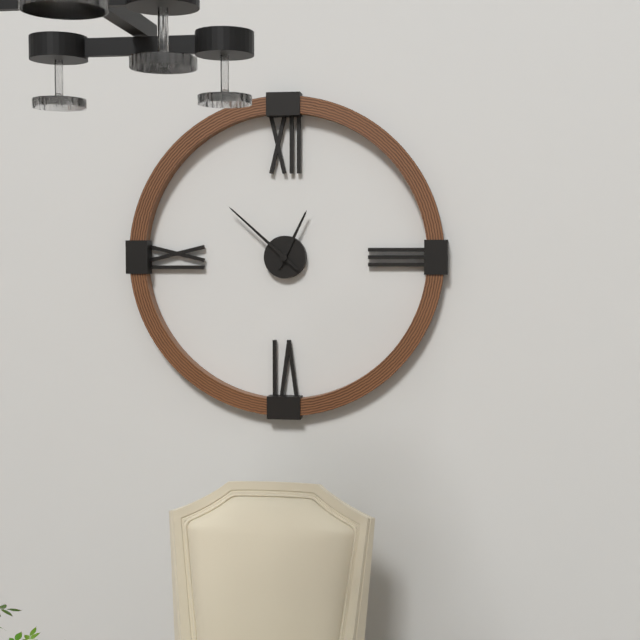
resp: 12,52
